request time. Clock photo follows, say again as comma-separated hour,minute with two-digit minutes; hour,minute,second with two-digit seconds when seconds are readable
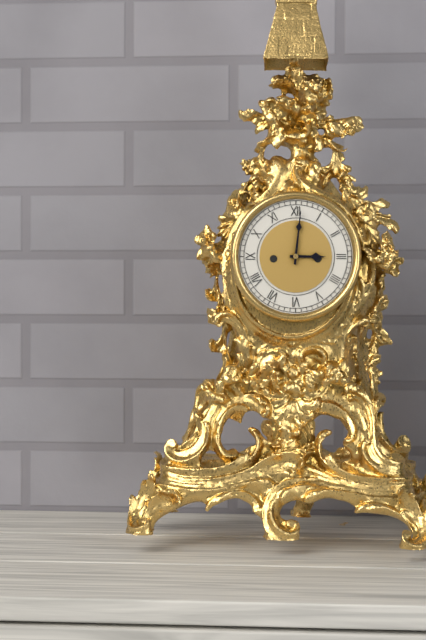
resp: 3,01
